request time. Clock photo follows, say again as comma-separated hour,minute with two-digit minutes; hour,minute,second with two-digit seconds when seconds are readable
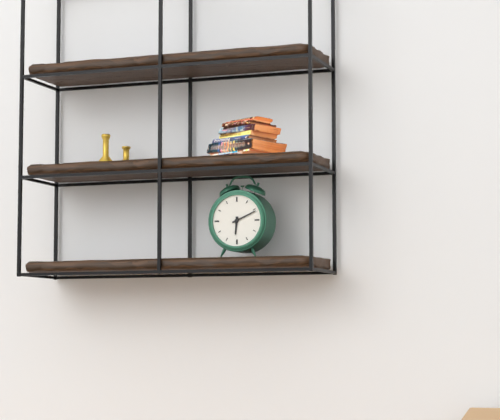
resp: 6,11
